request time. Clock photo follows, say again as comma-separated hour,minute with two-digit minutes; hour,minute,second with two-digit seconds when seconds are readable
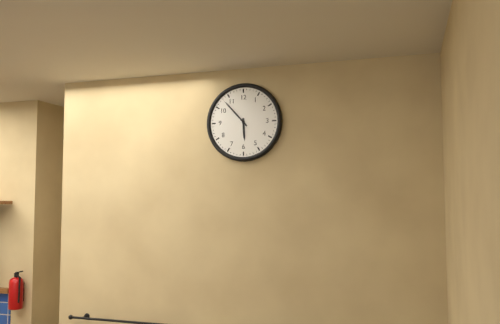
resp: 5,53
